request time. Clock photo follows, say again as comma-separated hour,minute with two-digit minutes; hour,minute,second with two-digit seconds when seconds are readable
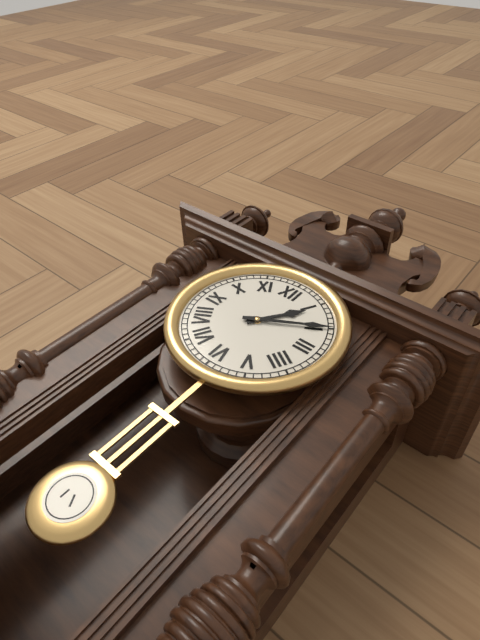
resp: 1,10
